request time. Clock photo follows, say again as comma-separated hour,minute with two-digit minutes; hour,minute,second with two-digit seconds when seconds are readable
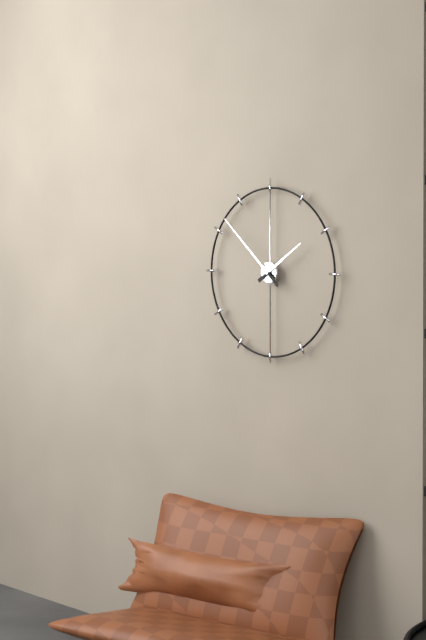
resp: 1,52
